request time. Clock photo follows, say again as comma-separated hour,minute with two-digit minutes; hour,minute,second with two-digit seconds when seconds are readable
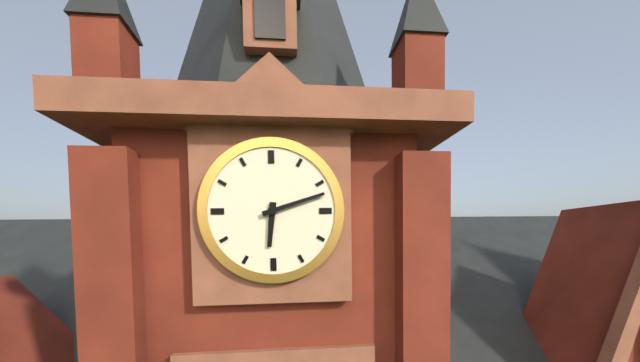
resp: 6,12
